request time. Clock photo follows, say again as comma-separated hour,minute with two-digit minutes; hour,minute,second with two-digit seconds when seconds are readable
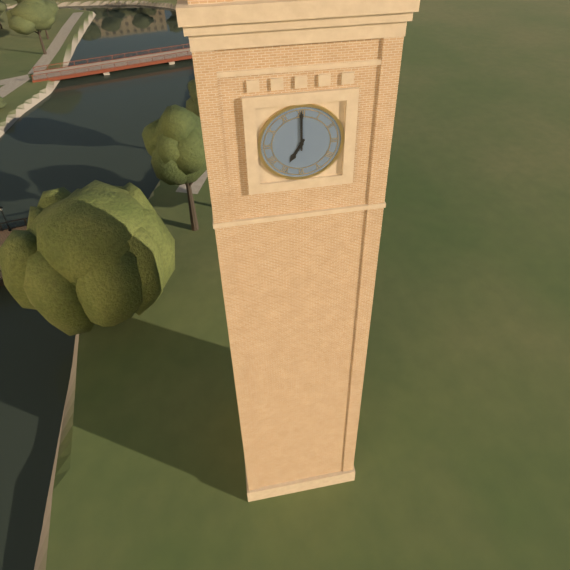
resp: 7,00
